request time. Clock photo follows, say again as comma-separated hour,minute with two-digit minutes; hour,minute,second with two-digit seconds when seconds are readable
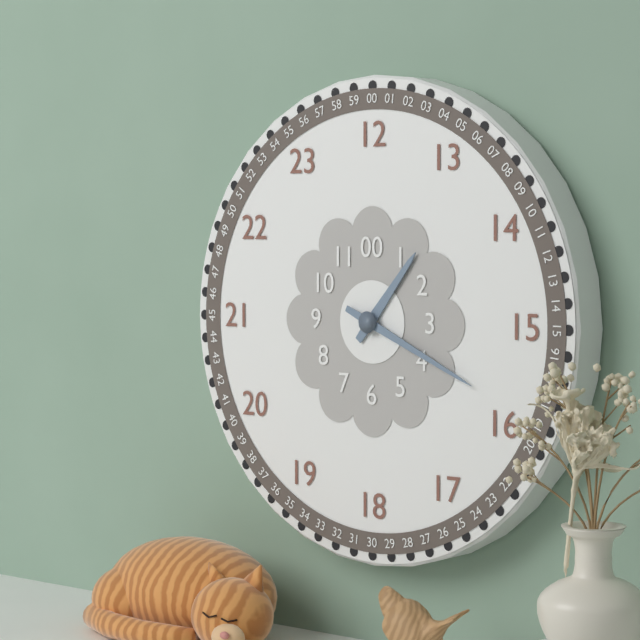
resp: 1,19
